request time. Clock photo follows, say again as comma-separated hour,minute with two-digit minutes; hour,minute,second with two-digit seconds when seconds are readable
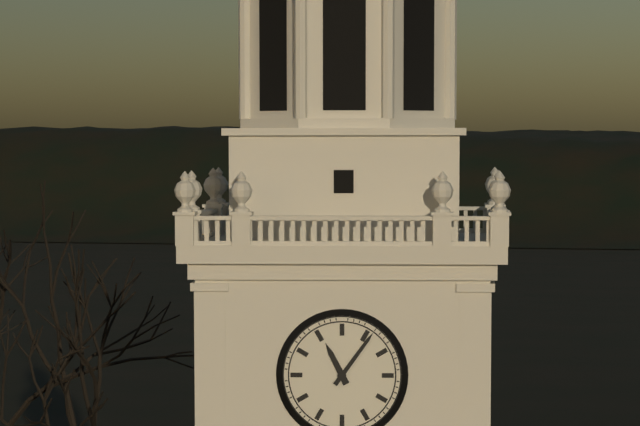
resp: 11,06
